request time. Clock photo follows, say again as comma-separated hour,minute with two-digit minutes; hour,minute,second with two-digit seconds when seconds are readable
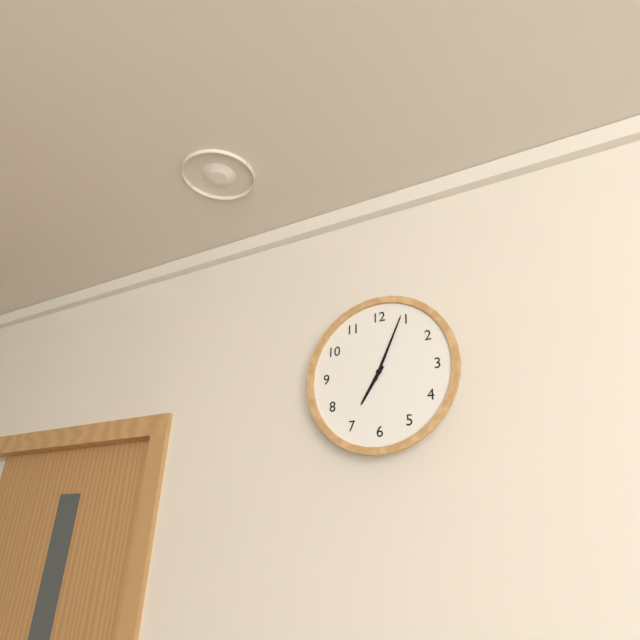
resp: 7,04
